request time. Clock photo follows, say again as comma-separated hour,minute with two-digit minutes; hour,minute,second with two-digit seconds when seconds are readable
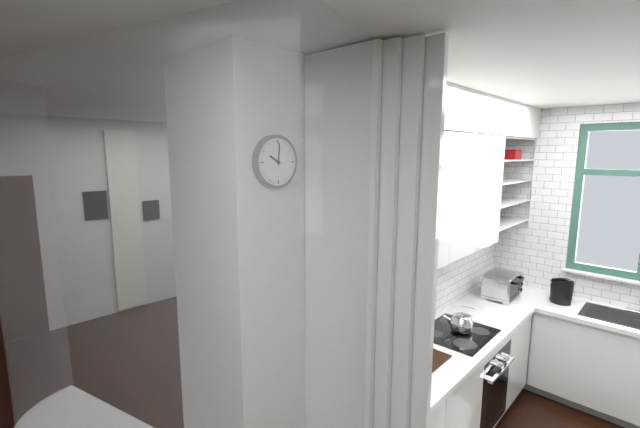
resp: 10,01
